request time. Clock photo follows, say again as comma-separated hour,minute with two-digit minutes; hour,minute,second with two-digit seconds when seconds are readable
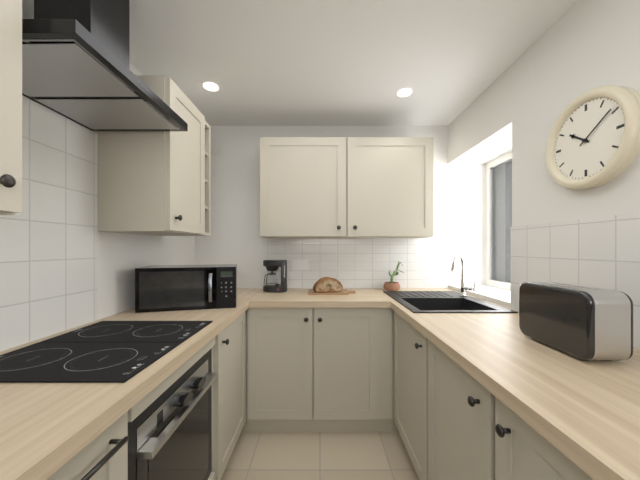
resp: 10,09
